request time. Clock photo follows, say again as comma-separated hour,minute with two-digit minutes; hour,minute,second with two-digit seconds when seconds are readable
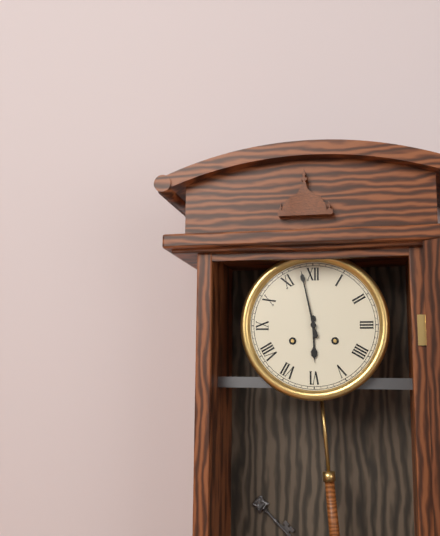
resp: 5,58
